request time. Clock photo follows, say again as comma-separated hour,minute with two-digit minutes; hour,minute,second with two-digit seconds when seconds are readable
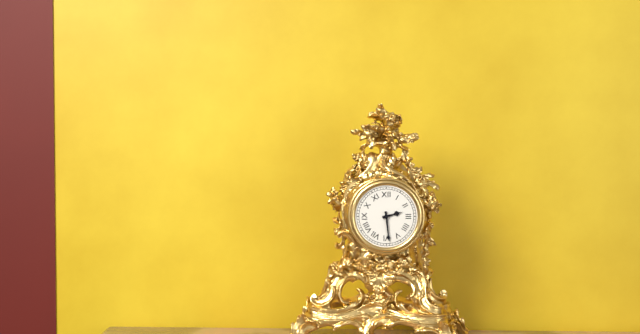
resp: 2,29
